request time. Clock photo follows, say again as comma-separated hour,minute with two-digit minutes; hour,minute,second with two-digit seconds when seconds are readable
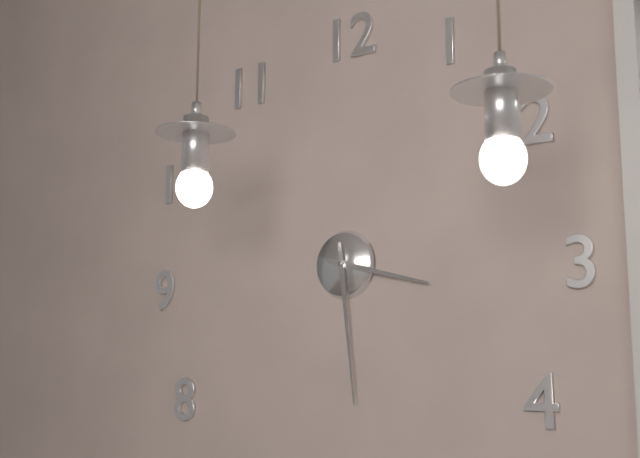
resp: 3,29
